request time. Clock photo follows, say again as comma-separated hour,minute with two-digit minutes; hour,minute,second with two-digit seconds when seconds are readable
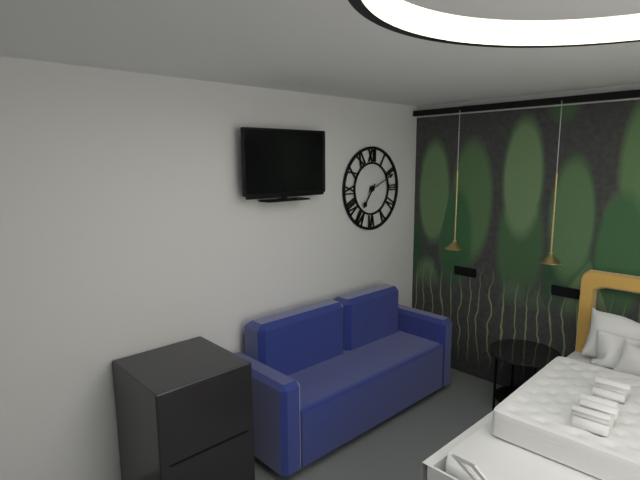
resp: 7,11
